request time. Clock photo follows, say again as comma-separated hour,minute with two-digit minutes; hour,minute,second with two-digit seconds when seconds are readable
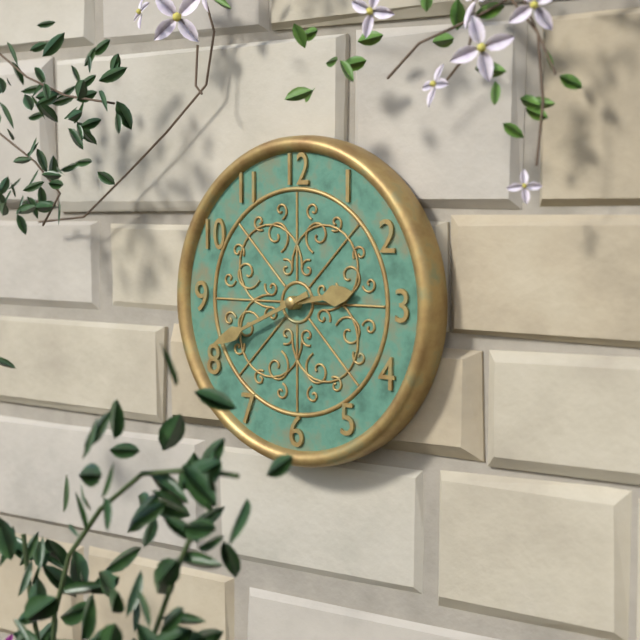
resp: 2,41
